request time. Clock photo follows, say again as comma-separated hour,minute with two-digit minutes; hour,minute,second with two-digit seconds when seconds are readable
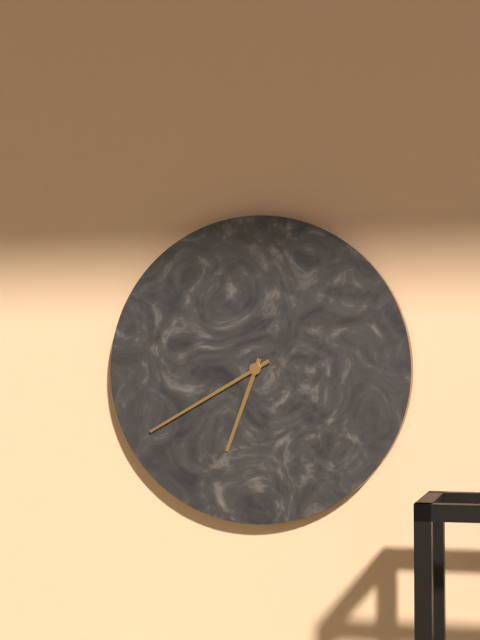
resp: 6,40
